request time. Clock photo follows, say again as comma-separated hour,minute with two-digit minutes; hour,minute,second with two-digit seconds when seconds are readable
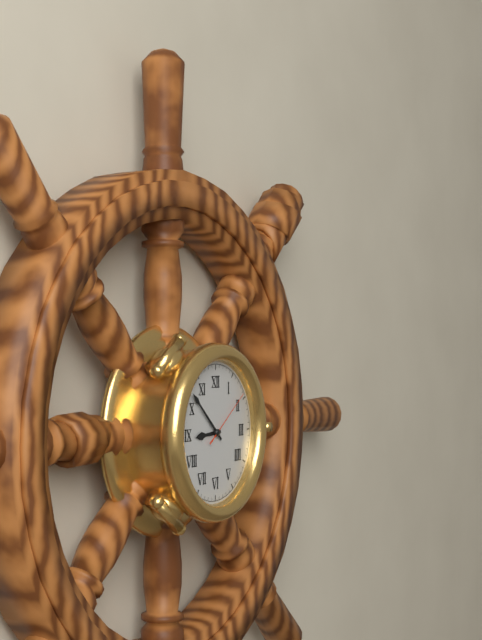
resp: 8,52,09
